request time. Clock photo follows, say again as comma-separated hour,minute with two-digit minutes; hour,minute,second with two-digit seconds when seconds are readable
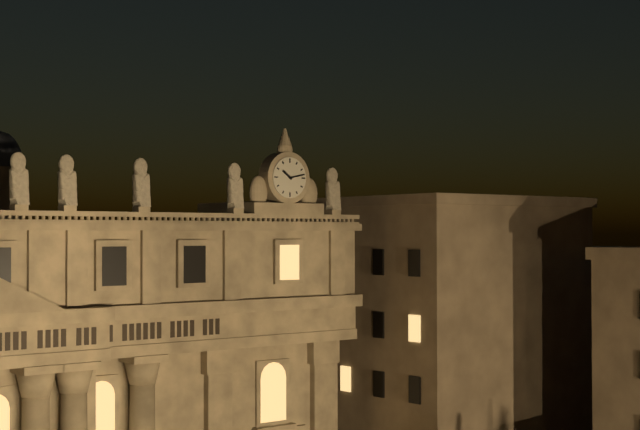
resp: 10,13
